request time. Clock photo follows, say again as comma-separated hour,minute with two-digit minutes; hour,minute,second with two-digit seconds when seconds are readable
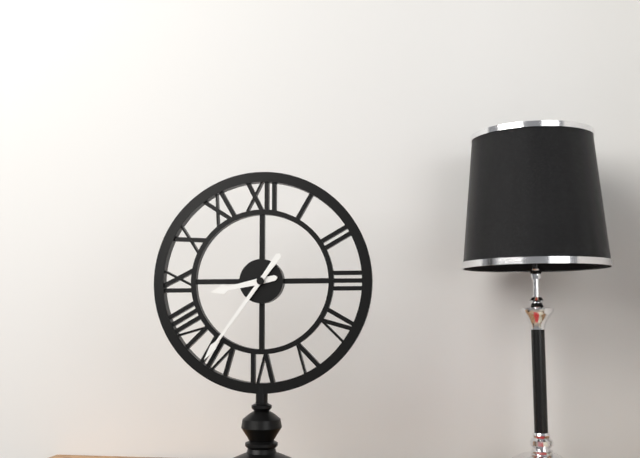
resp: 8,36
